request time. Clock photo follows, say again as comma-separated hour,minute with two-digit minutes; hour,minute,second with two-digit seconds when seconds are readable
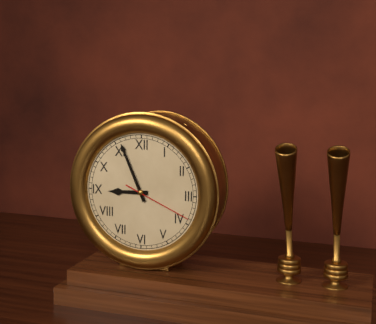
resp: 8,56,19
